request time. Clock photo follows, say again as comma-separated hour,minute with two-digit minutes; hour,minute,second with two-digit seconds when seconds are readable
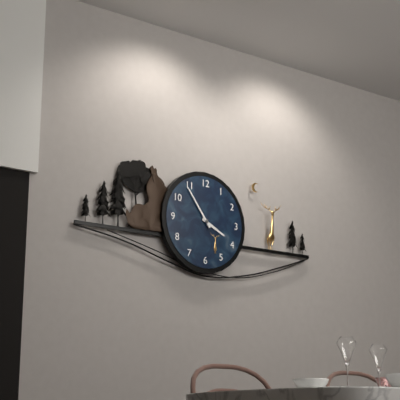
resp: 3,54
